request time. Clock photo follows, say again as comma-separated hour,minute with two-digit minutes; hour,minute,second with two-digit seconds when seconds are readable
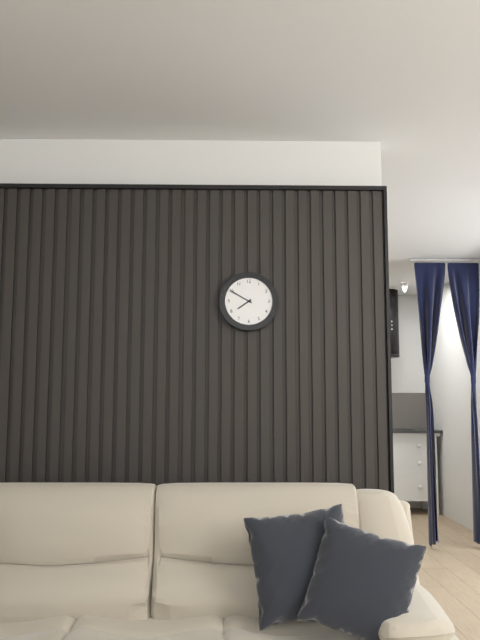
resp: 7,50
